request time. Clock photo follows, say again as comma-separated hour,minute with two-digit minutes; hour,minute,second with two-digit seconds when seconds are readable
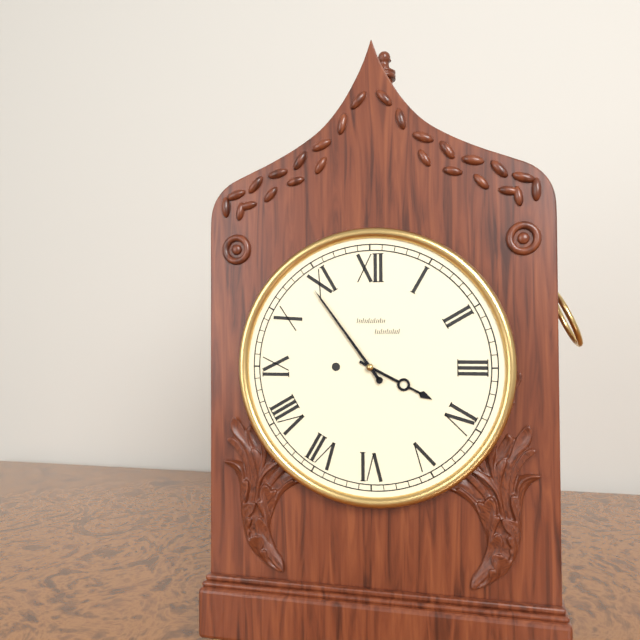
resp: 3,54
